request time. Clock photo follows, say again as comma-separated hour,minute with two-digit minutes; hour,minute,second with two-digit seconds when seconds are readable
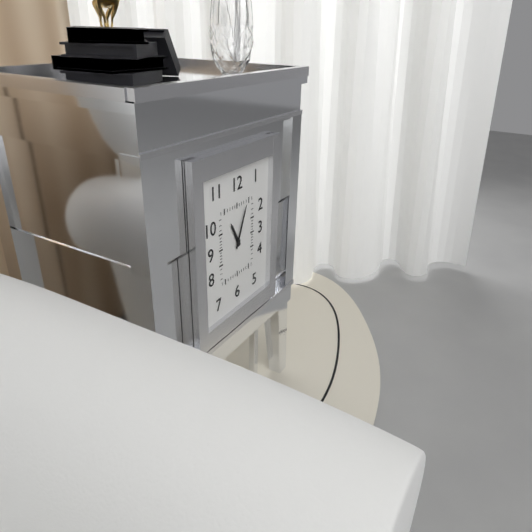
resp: 11,04
